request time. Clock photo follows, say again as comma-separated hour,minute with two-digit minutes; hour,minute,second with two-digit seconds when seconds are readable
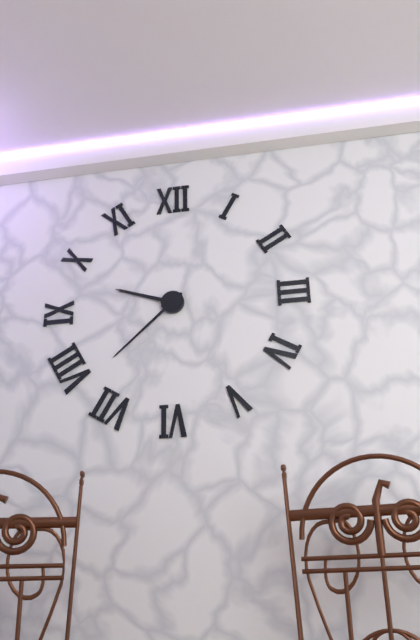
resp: 9,38
